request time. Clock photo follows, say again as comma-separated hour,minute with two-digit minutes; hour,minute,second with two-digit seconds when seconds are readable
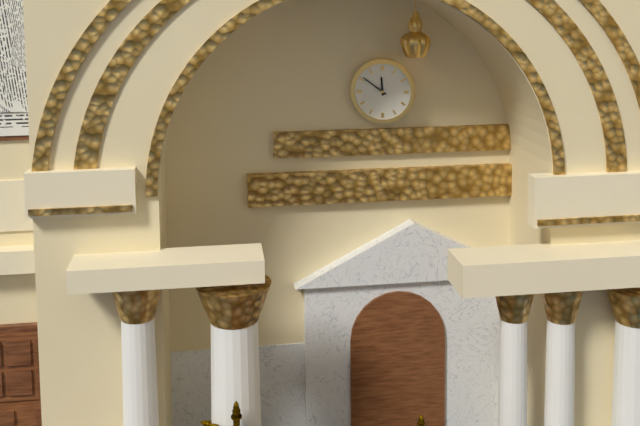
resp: 11,51
